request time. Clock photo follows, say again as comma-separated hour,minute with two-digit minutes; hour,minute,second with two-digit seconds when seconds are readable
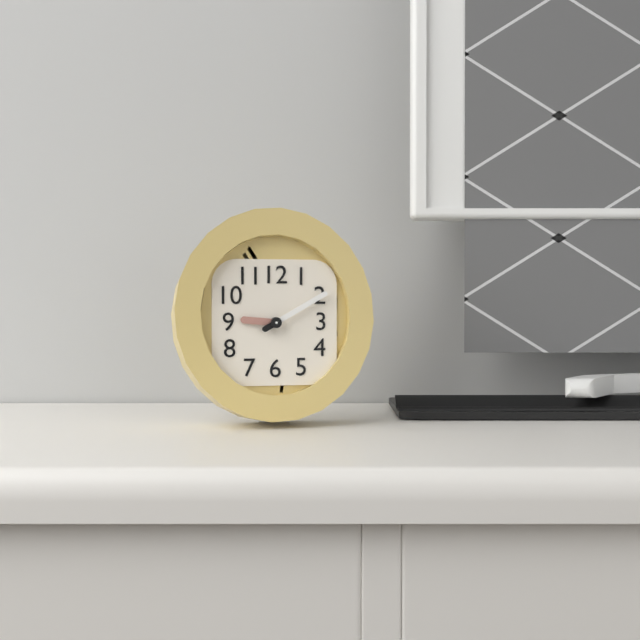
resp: 9,10
